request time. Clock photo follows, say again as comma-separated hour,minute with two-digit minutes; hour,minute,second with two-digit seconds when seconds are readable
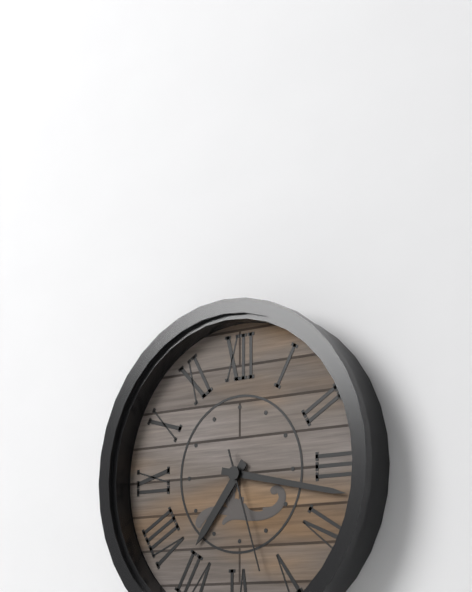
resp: 7,17,27
